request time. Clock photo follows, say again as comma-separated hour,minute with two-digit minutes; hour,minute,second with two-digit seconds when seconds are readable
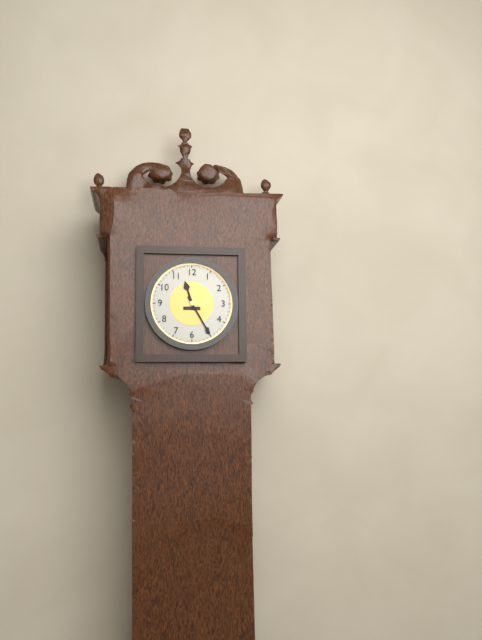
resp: 11,25
